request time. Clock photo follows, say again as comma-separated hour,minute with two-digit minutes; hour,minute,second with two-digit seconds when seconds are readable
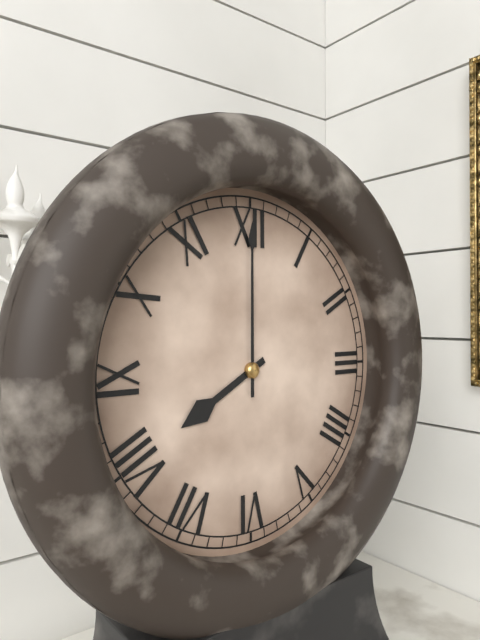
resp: 8,00
